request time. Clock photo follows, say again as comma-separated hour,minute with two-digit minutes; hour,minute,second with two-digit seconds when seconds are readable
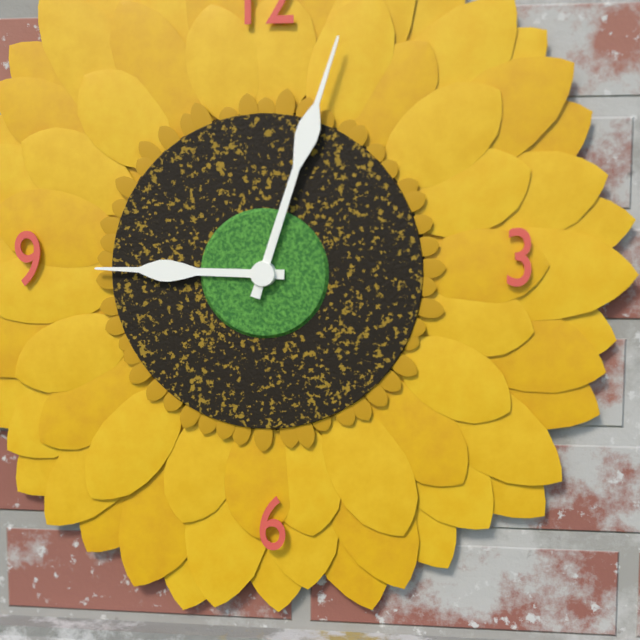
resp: 9,03
